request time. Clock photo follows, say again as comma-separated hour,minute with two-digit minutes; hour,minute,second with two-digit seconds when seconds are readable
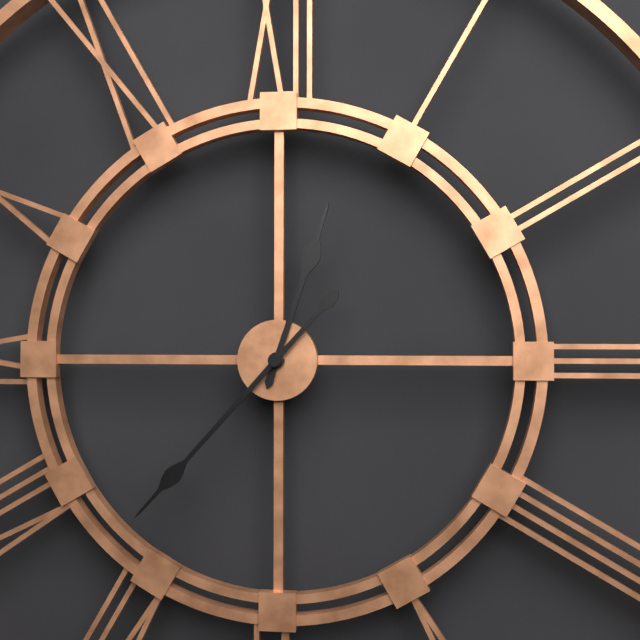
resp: 12,37
